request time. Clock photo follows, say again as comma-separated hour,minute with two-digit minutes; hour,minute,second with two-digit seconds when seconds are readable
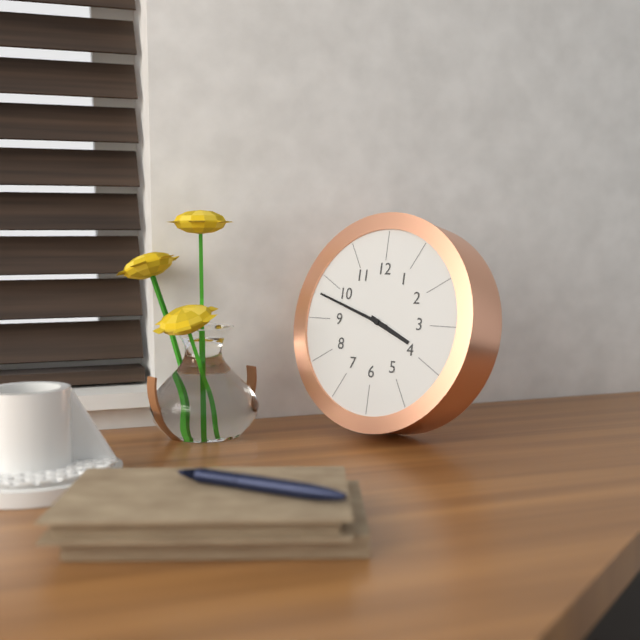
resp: 3,48
